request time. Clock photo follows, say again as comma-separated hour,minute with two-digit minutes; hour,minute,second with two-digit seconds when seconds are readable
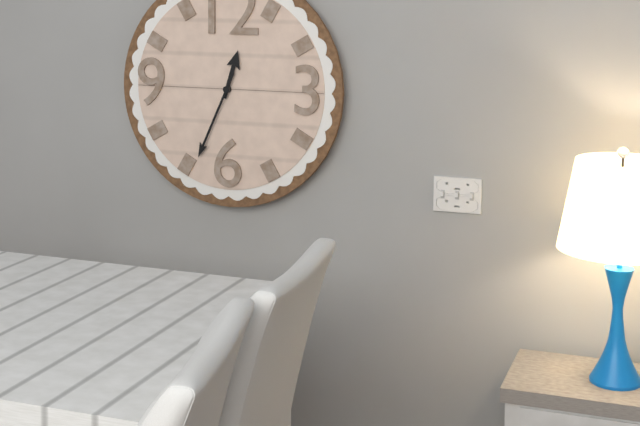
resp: 12,34
